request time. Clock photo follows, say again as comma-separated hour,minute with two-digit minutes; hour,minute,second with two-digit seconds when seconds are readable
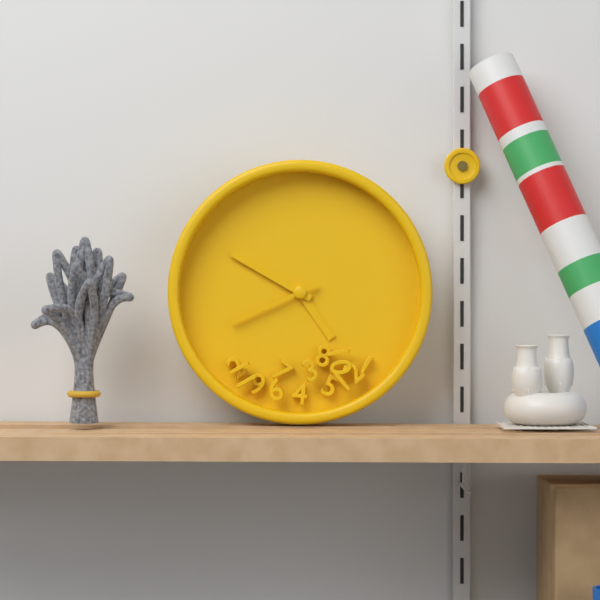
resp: 4,50,41
